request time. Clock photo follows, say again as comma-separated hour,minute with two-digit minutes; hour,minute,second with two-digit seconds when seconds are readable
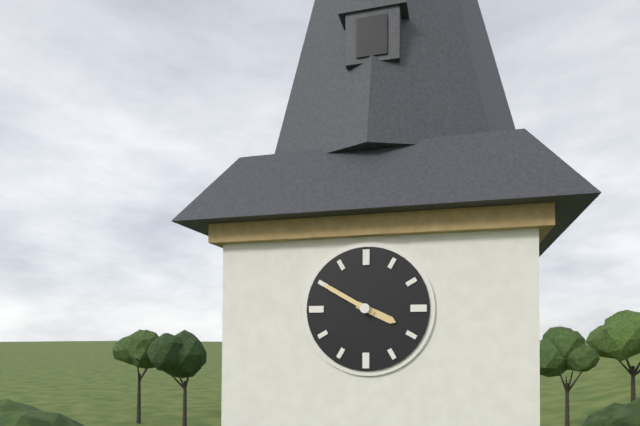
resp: 3,50
